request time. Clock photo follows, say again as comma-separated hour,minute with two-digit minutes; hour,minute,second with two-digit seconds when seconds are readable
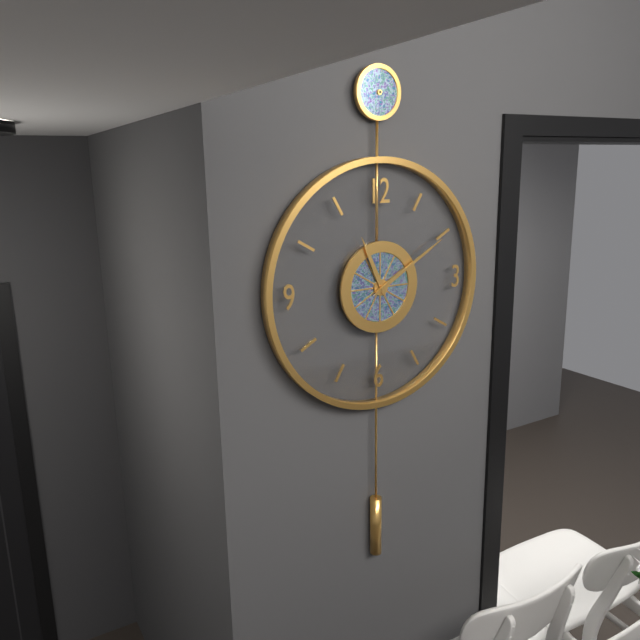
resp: 11,10
